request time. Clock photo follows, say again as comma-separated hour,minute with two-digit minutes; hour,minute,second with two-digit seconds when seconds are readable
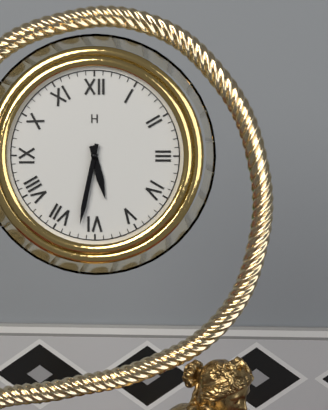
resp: 5,32
